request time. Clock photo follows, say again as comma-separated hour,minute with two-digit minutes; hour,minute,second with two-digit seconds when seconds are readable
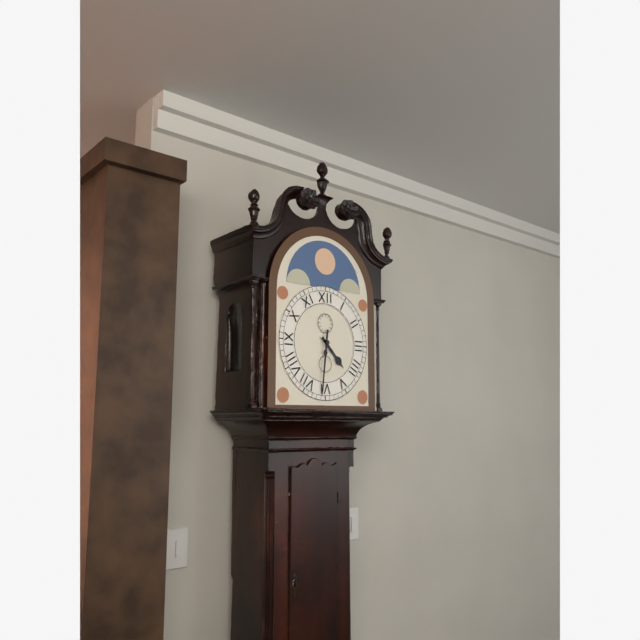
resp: 4,31
